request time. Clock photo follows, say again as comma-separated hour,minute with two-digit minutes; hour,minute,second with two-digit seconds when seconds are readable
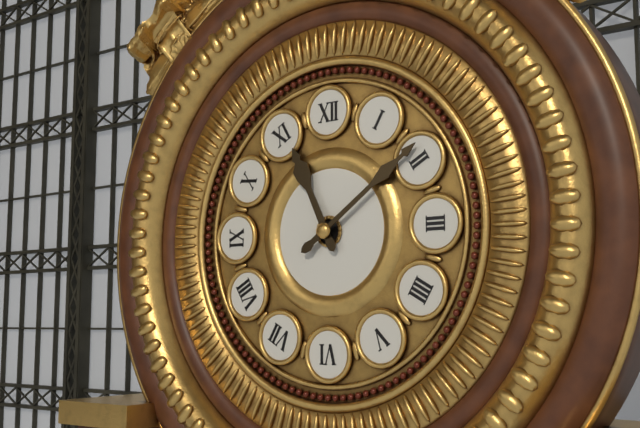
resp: 11,09
